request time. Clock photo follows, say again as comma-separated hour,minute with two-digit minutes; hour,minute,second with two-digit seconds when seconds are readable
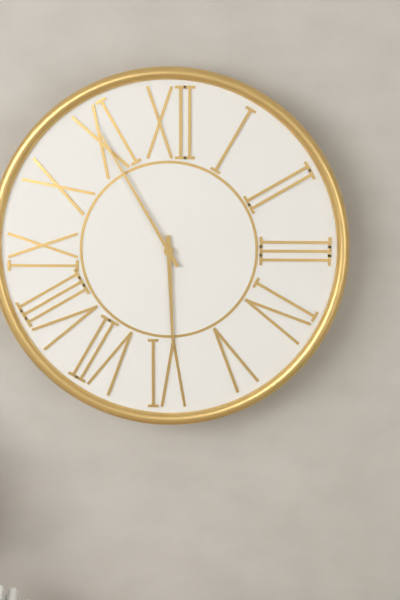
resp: 5,55
